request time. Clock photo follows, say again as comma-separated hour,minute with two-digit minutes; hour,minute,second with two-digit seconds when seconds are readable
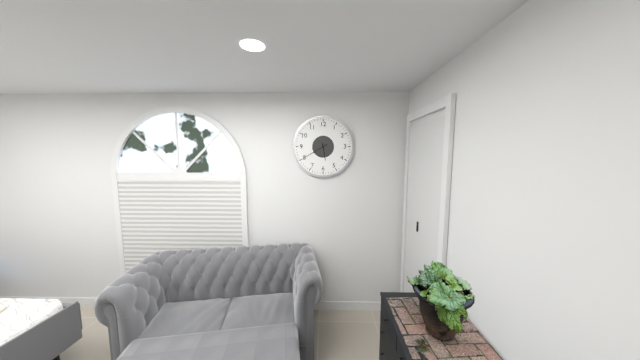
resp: 5,40
